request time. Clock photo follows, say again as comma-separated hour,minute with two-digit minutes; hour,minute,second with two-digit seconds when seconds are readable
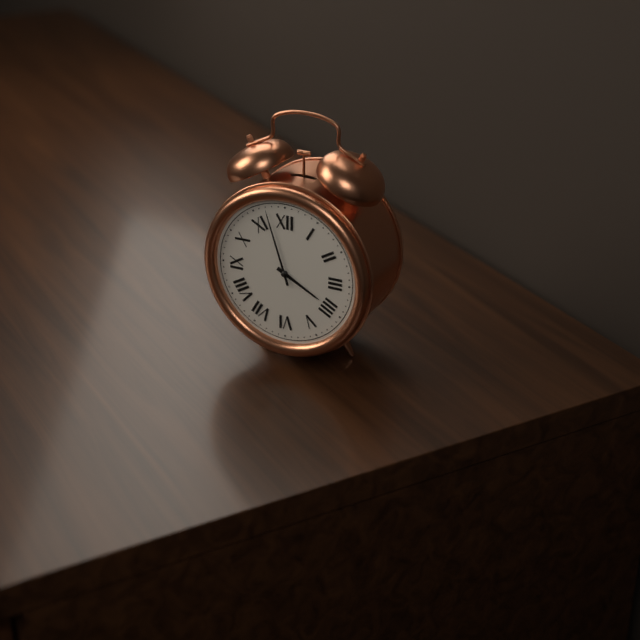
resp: 3,57
